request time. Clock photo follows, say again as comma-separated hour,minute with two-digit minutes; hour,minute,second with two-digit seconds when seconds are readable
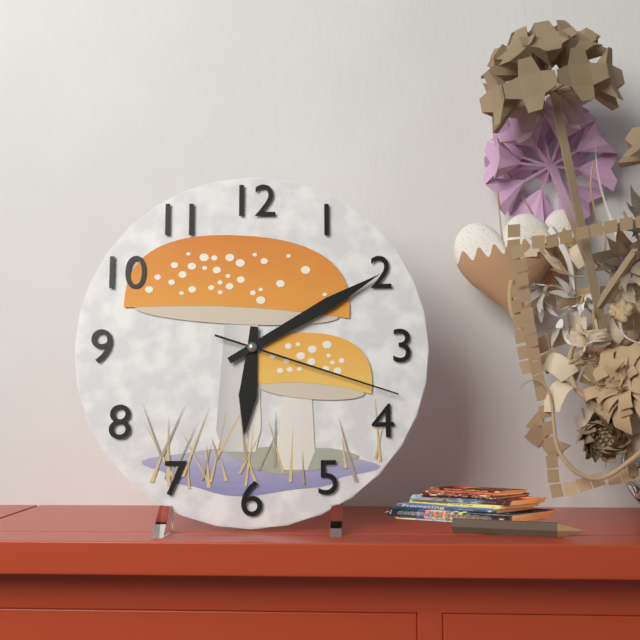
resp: 6,10,18
